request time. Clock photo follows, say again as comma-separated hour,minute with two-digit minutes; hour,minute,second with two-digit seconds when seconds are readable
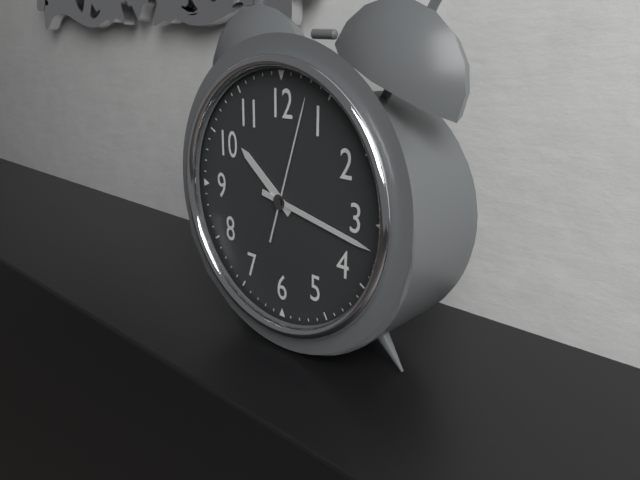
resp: 10,17,03
